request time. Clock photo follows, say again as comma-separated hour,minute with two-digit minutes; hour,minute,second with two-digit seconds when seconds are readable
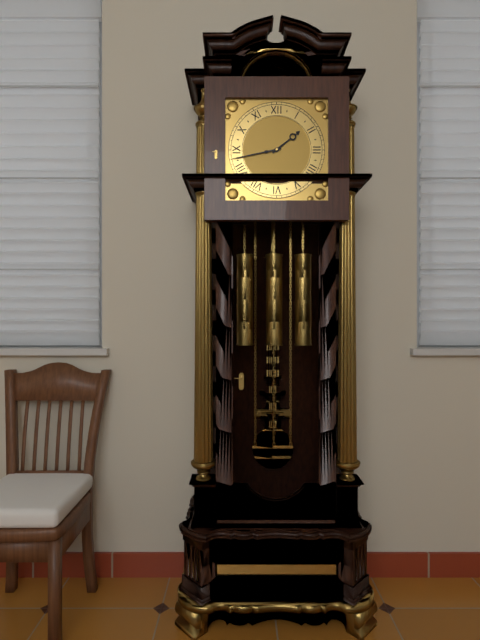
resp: 1,43
